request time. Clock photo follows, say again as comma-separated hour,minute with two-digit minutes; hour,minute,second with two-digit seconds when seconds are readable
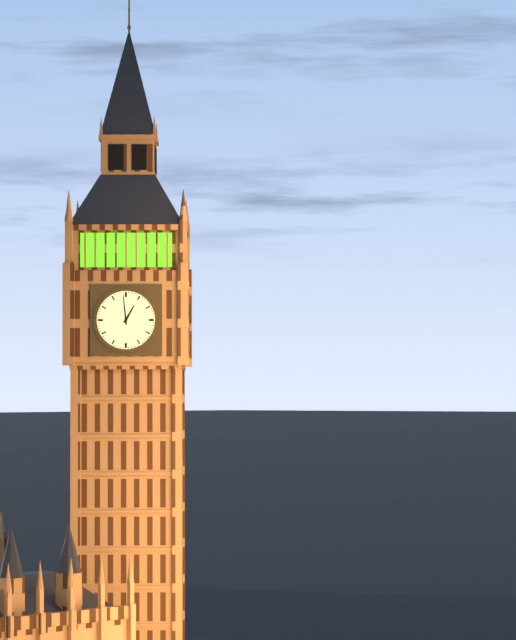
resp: 12,59
